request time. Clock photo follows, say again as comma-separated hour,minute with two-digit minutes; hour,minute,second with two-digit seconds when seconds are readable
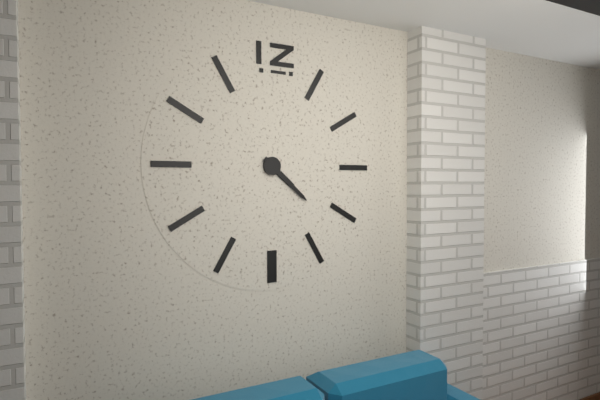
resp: 4,22
